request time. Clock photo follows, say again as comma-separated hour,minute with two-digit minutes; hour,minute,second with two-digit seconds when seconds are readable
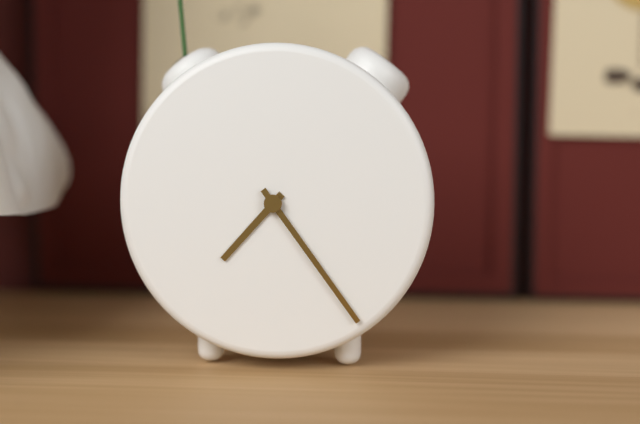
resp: 7,24
